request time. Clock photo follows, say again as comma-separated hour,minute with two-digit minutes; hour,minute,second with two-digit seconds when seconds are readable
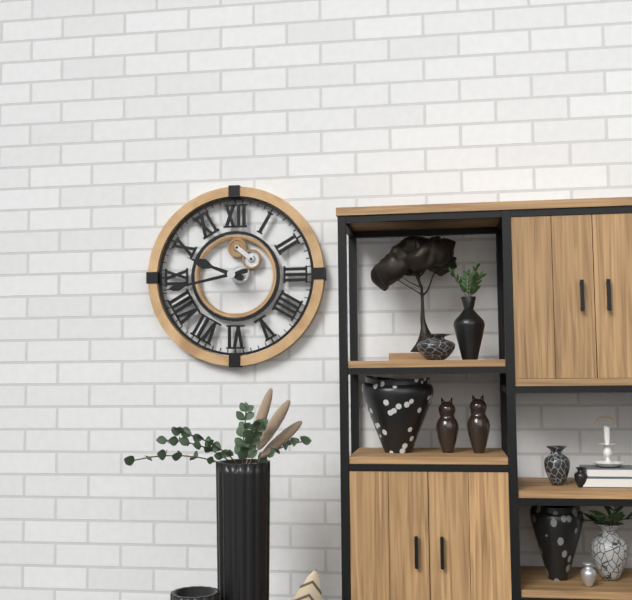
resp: 9,43
